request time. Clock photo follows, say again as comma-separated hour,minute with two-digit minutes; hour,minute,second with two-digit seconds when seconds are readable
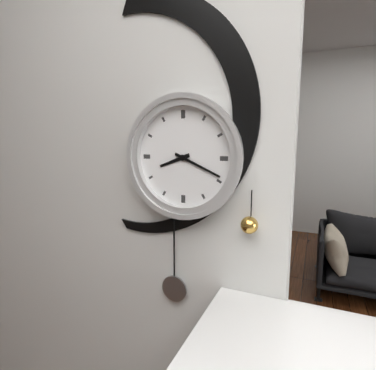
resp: 8,19
